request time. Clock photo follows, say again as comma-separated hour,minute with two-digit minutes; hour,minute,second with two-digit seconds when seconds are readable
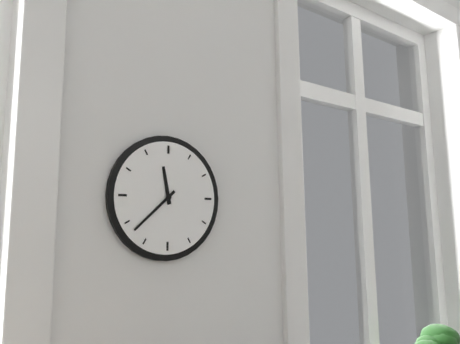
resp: 11,38
